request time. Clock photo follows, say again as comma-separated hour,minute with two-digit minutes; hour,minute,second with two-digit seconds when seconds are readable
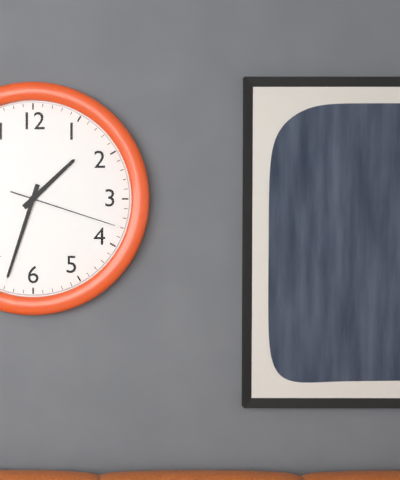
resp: 1,33,18
